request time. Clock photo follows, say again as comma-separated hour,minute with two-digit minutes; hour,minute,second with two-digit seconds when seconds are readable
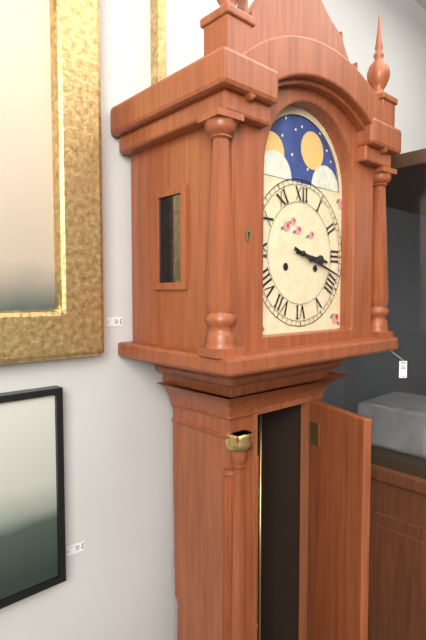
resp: 3,18
